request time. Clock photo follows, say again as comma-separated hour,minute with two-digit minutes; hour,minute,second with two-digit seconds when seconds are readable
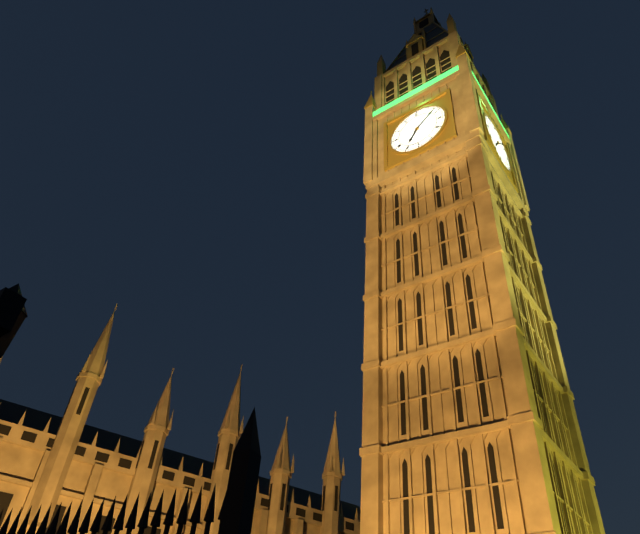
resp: 7,08
